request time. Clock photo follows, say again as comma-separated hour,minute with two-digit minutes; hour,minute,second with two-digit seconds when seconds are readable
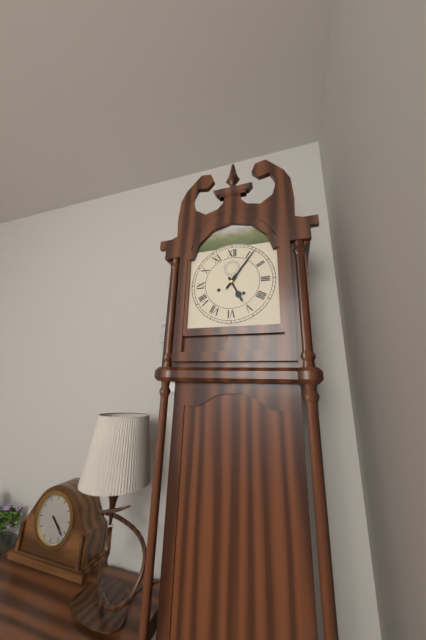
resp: 5,06
